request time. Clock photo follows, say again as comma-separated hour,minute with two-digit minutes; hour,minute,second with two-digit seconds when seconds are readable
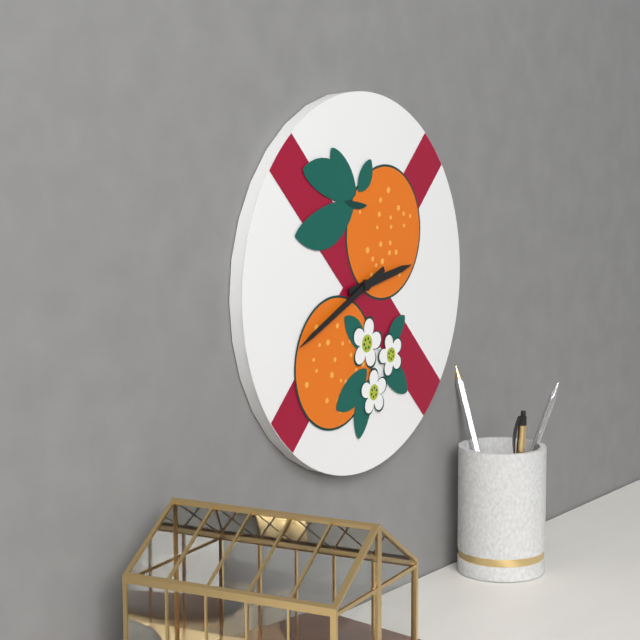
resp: 2,41
